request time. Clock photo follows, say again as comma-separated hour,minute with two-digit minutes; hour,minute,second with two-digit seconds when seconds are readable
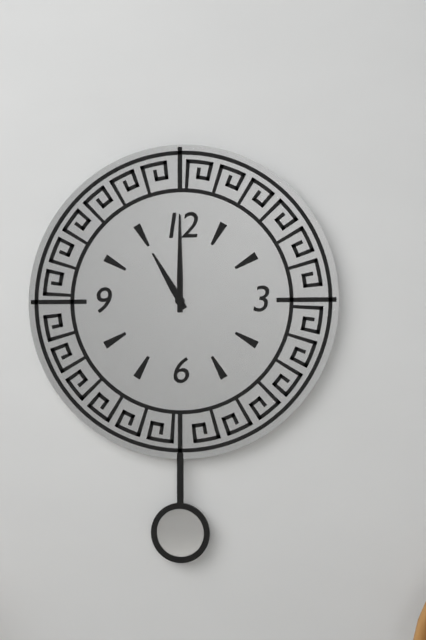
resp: 11,00
